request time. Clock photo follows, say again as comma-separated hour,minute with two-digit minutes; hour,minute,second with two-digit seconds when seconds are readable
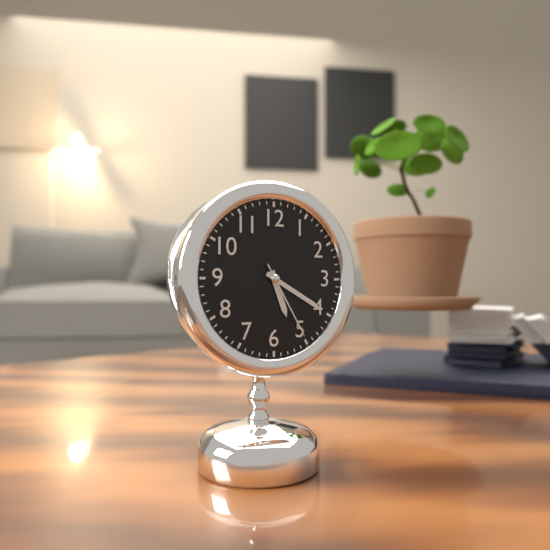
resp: 5,20,25
